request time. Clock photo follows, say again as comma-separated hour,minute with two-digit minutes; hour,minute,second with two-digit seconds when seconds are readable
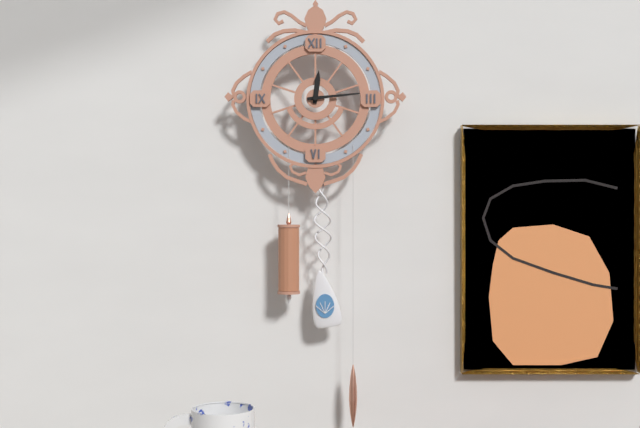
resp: 12,14
